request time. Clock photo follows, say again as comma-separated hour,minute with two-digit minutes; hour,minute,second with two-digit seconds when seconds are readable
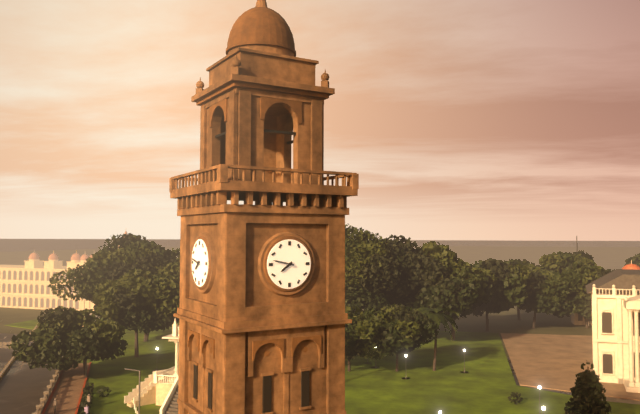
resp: 7,47
